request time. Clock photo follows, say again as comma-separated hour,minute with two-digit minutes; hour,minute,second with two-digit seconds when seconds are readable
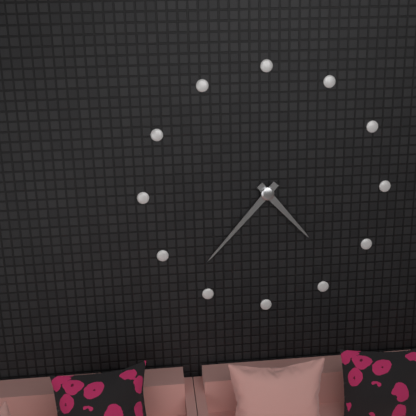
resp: 4,37
